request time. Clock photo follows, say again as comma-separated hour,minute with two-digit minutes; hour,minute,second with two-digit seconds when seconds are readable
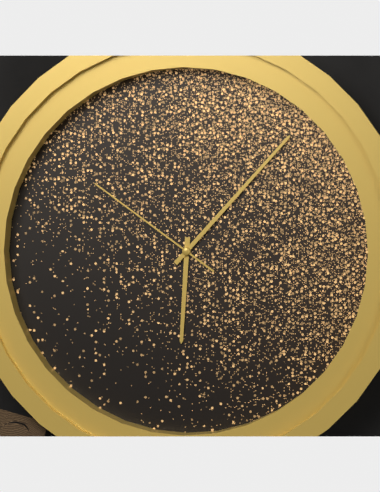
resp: 6,07,51
